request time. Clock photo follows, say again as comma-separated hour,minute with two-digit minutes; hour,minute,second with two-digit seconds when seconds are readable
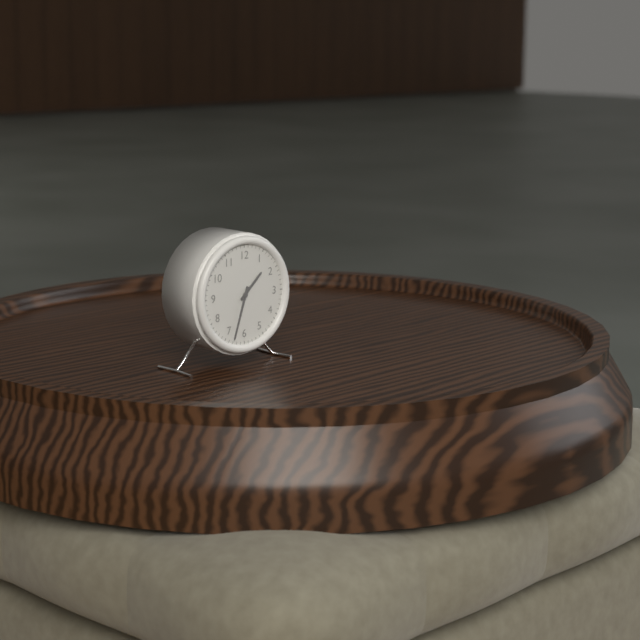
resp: 1,33
